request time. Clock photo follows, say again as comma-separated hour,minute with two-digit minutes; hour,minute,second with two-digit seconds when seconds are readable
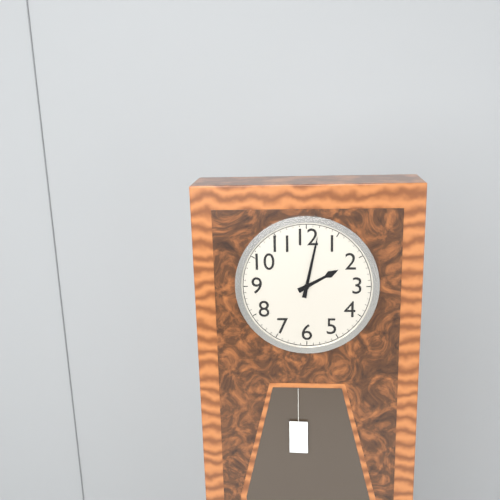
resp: 2,02
